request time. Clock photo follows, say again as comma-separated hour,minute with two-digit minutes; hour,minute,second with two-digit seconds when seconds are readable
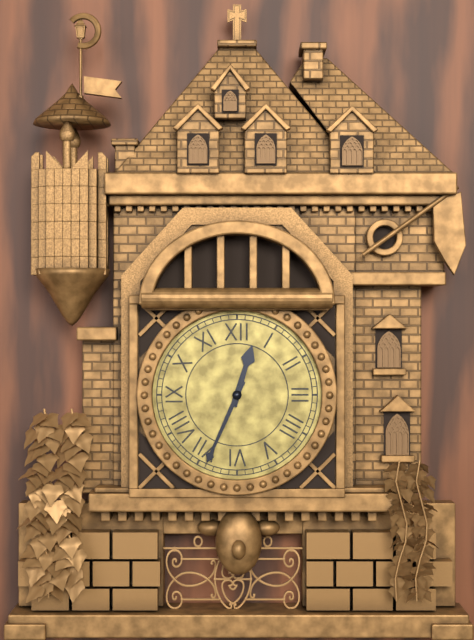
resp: 12,34
